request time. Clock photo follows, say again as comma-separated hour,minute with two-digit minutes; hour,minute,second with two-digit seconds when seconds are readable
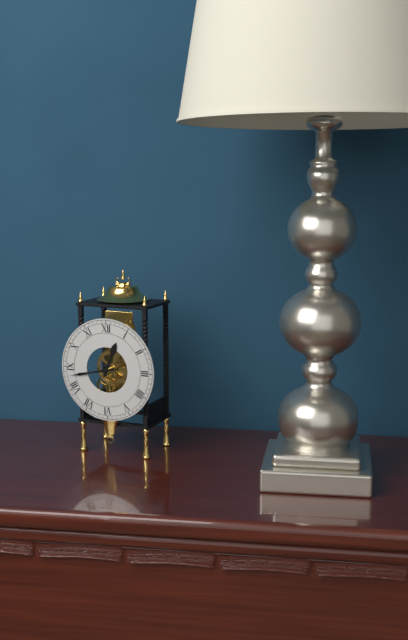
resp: 12,43
